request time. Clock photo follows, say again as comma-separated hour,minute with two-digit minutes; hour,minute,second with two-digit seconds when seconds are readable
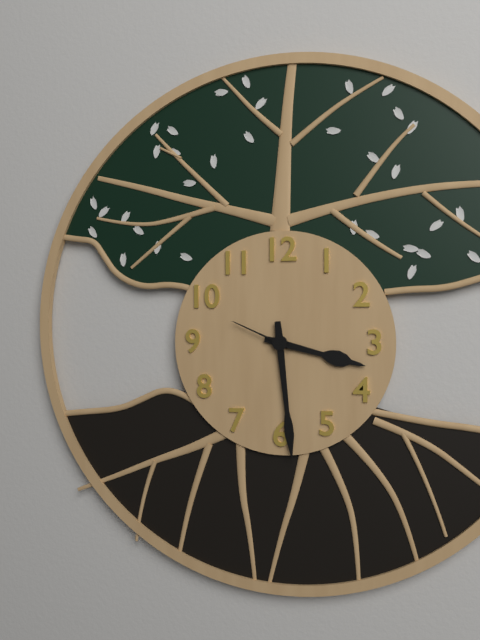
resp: 3,29,49
